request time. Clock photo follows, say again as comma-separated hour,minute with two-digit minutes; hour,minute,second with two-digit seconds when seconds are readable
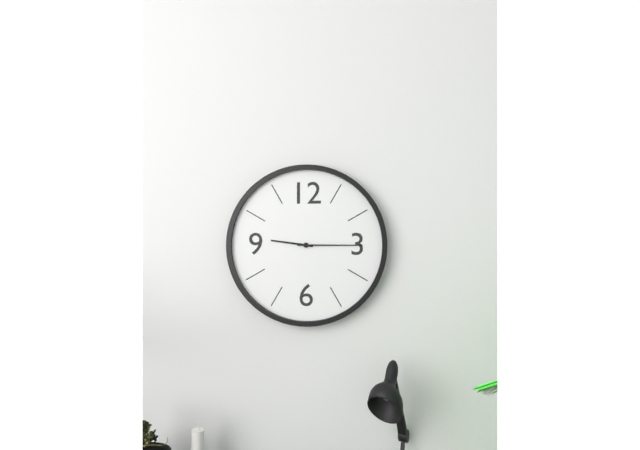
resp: 9,15
